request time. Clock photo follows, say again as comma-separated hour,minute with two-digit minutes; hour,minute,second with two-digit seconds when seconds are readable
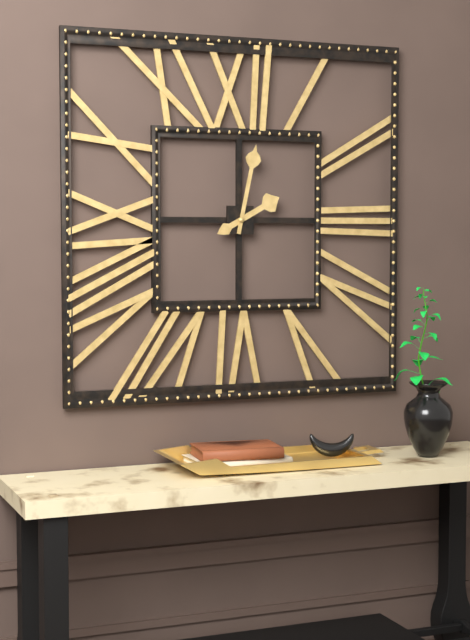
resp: 2,02
